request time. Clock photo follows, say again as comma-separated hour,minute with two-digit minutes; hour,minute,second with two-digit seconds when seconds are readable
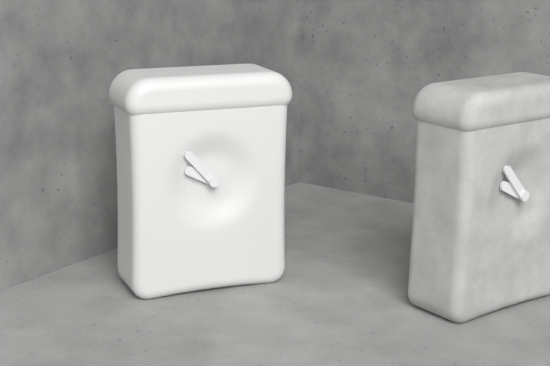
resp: 9,53
